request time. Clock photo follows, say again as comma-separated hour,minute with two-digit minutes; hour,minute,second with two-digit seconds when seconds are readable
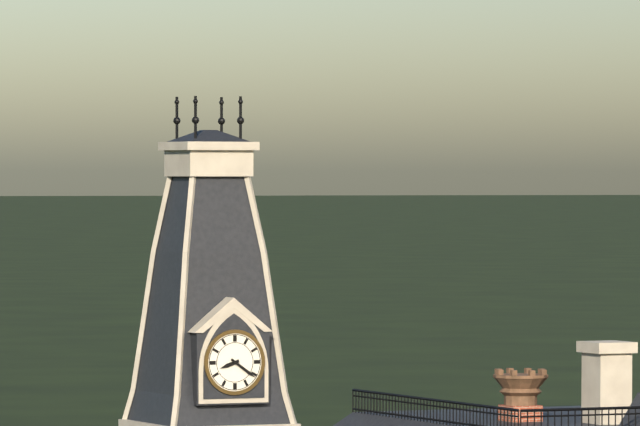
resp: 8,21
